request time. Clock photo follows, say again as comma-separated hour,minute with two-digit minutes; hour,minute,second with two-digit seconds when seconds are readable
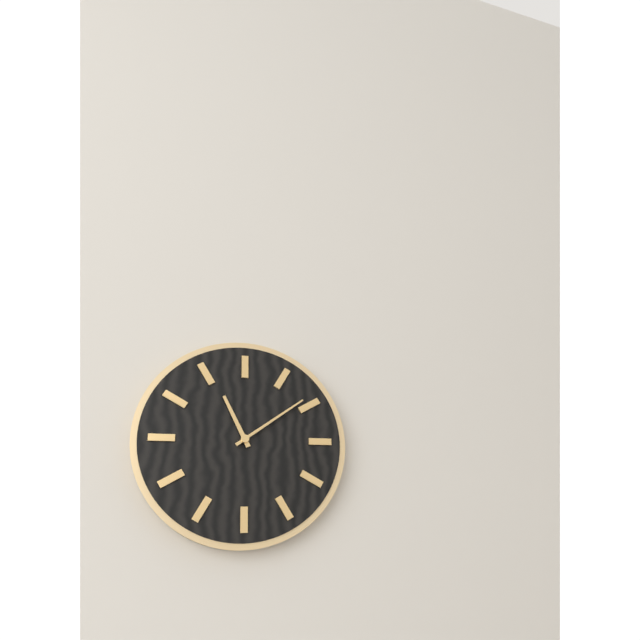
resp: 11,09
